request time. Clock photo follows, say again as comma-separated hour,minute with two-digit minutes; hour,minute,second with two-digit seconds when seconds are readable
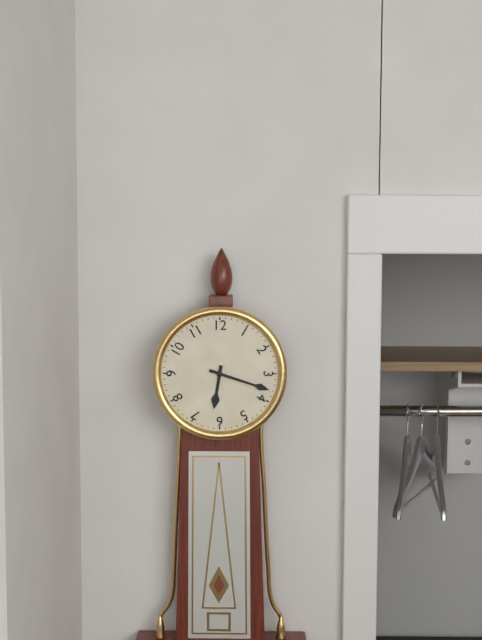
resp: 6,18
